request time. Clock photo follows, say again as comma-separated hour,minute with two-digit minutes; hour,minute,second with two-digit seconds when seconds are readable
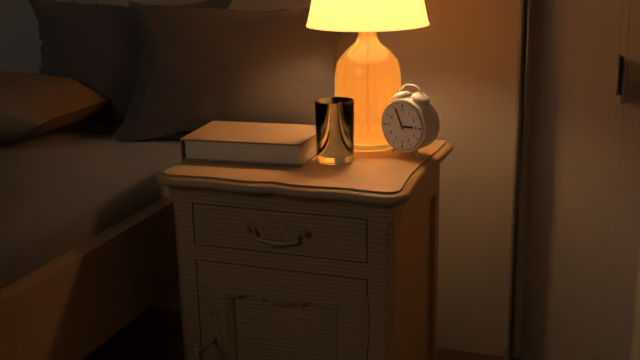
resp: 2,56
